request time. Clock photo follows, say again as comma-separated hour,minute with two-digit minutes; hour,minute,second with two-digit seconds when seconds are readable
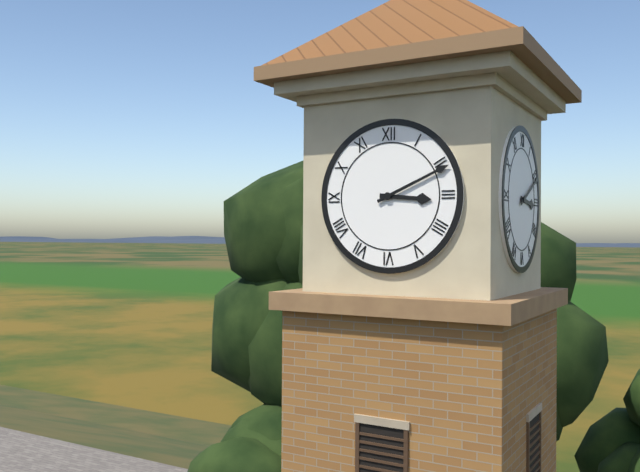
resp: 3,11
